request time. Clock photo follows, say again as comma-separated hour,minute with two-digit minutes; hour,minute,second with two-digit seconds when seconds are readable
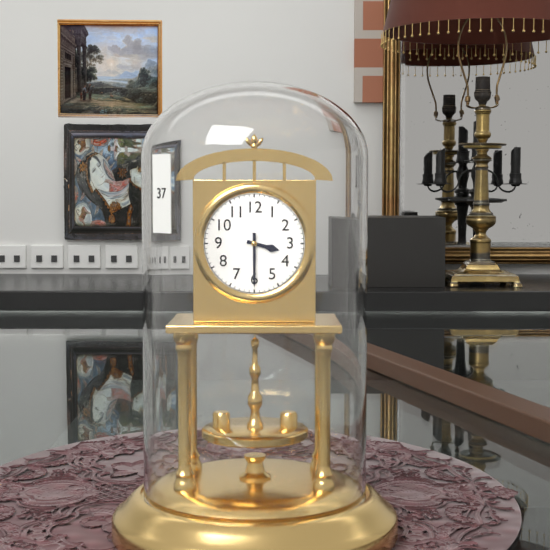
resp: 3,30
